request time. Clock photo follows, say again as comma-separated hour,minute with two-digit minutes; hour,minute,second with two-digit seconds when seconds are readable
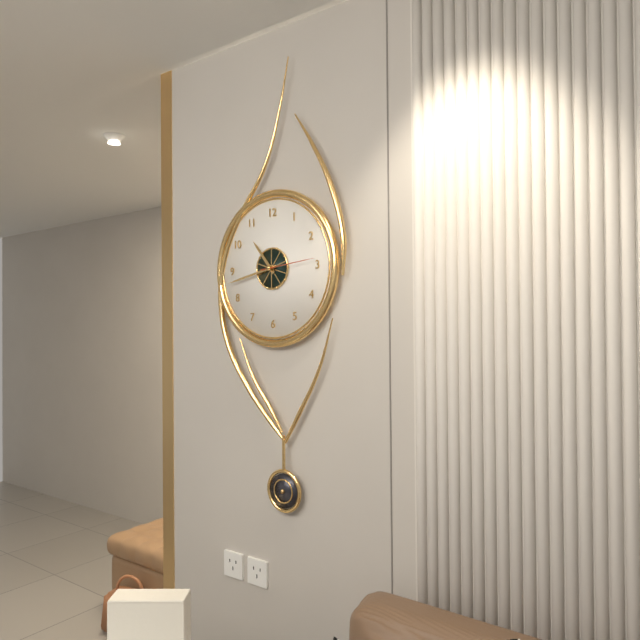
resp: 10,43,14
